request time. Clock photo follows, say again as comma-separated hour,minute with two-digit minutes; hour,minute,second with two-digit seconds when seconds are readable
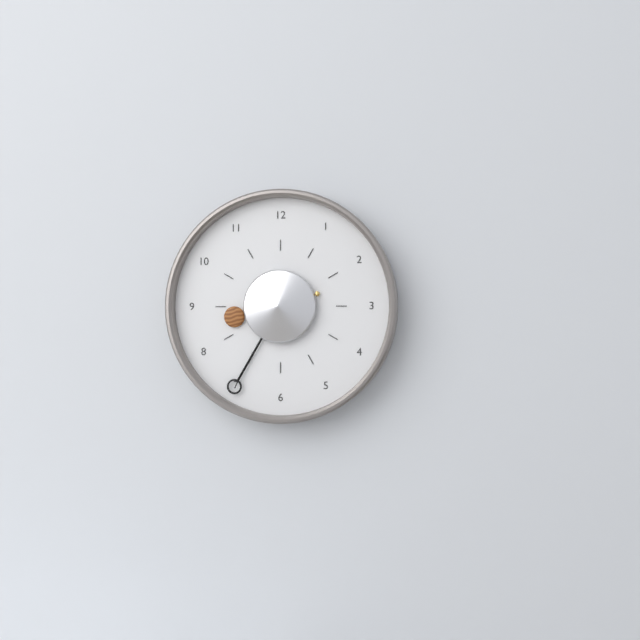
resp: 8,35
